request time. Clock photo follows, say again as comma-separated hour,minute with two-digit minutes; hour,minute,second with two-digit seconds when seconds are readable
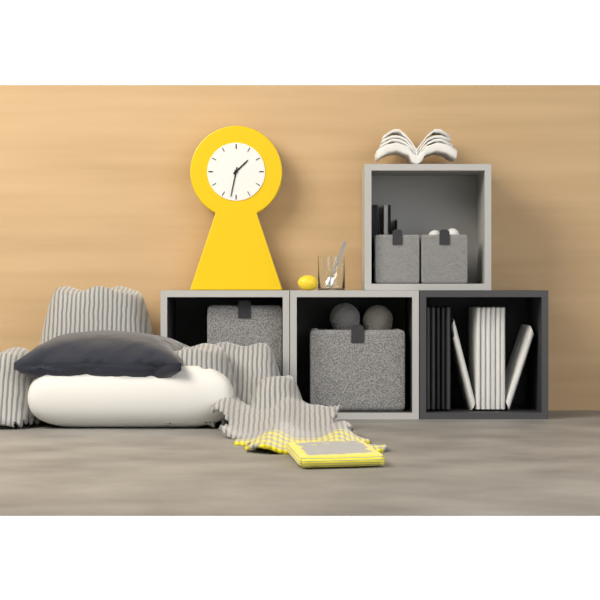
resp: 1,32
